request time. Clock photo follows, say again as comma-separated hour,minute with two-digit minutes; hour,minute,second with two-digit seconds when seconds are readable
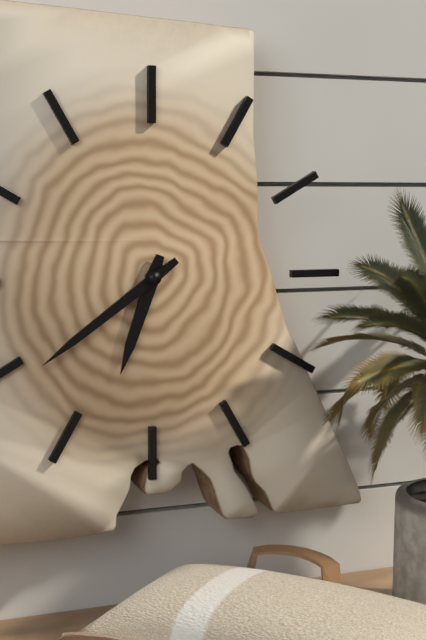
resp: 6,39
